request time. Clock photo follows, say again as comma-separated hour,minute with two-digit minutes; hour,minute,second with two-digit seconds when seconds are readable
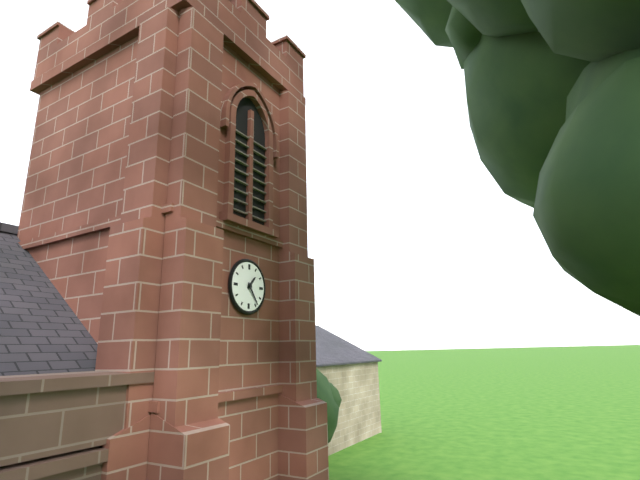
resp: 1,24
